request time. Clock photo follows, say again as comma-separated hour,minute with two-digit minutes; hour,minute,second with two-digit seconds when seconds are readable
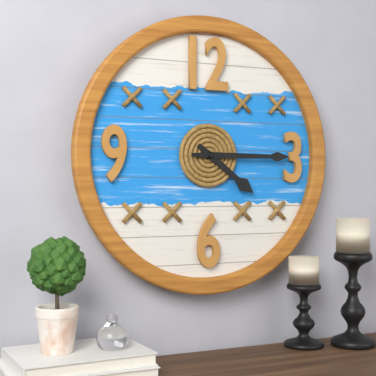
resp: 4,15
